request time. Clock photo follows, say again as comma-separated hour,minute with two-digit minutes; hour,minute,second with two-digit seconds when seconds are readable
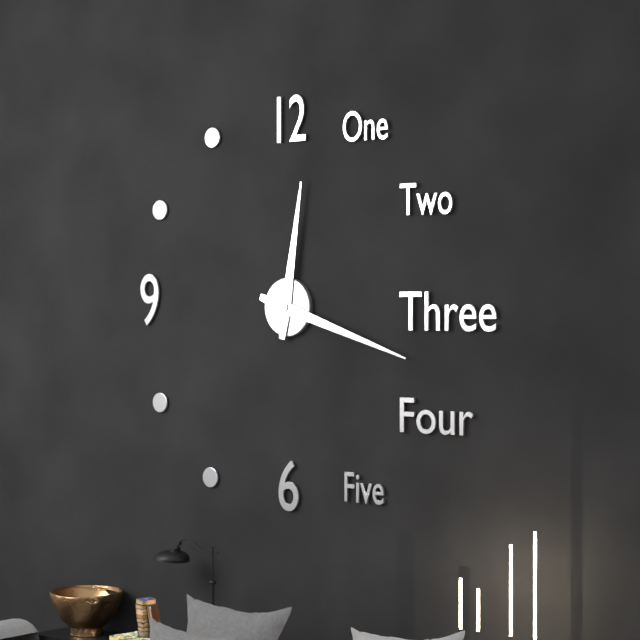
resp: 12,18
